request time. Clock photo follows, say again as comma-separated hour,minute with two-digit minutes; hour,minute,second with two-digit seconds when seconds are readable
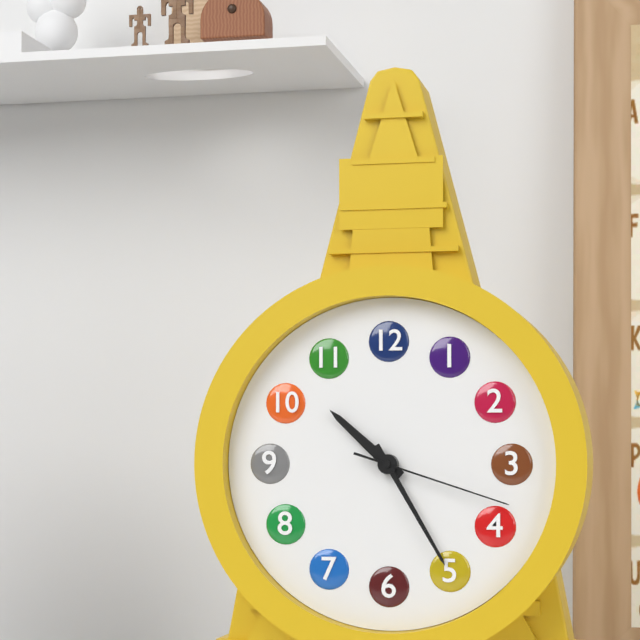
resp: 10,25,18
